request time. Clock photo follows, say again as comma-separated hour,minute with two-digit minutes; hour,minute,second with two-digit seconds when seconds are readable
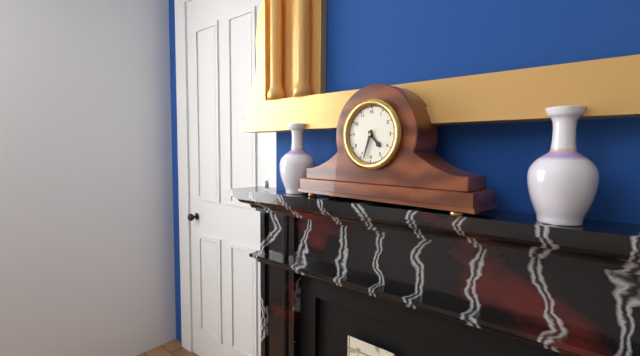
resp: 4,33
